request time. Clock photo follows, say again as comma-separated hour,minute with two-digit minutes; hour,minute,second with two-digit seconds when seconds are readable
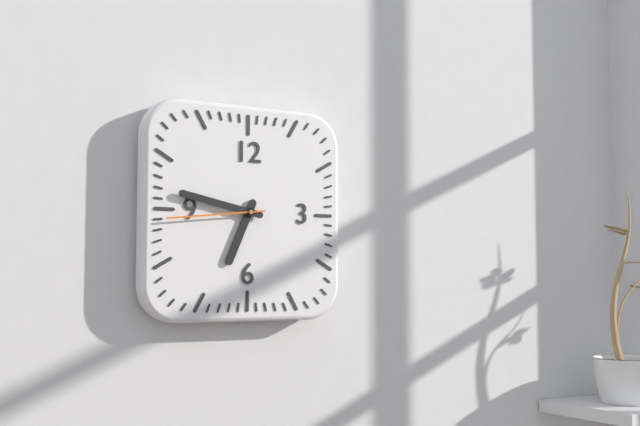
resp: 6,47,44
